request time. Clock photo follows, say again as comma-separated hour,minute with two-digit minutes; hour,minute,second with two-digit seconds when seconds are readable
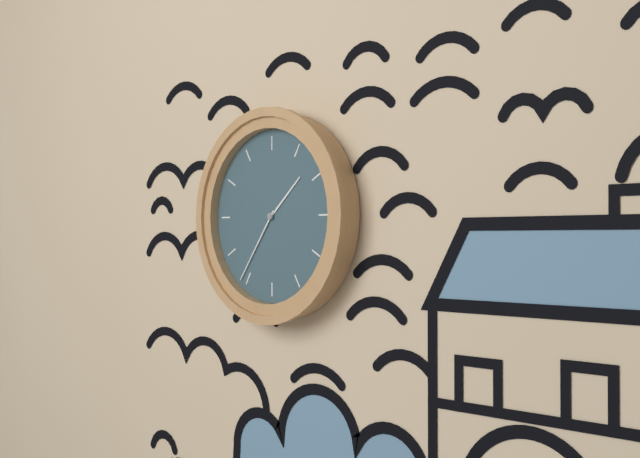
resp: 1,36
